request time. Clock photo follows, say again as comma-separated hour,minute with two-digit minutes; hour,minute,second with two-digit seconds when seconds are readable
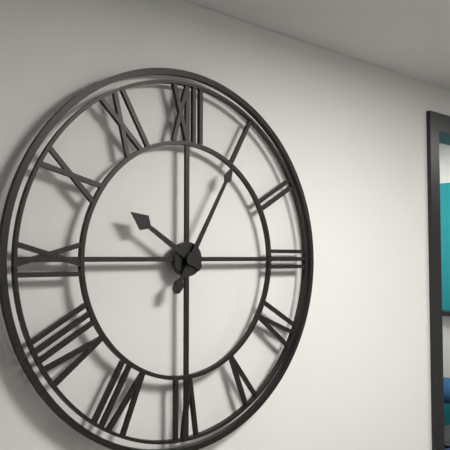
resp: 10,05
